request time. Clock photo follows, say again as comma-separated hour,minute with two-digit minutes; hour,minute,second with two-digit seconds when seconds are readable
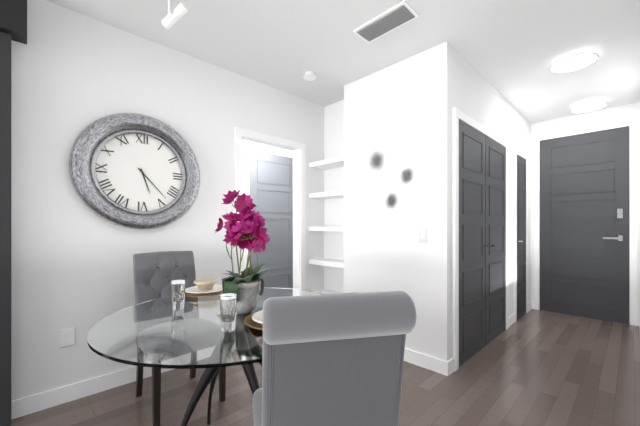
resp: 5,23
